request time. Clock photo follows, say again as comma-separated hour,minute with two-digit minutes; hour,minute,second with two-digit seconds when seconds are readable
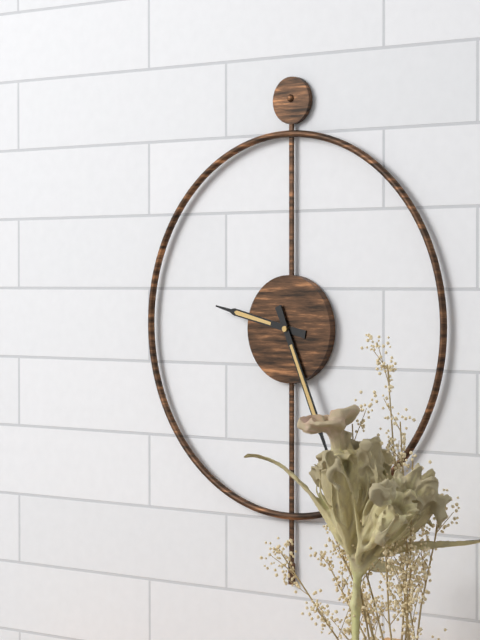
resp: 9,26
